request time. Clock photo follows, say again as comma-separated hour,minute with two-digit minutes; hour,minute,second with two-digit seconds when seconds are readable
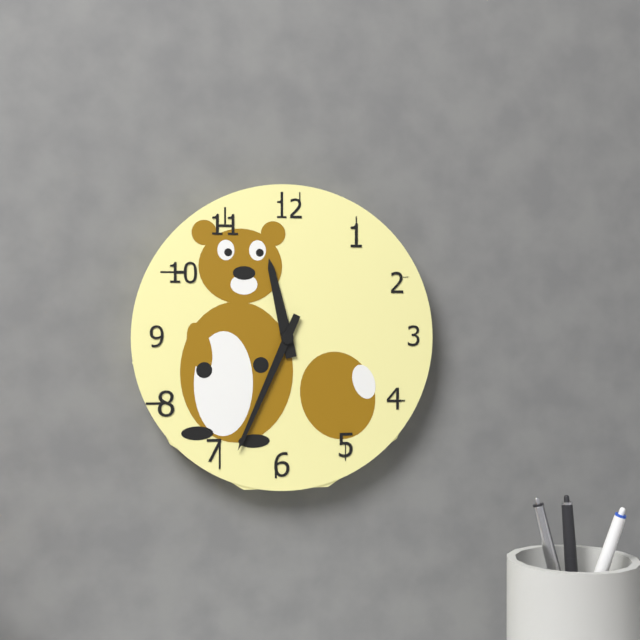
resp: 11,34
